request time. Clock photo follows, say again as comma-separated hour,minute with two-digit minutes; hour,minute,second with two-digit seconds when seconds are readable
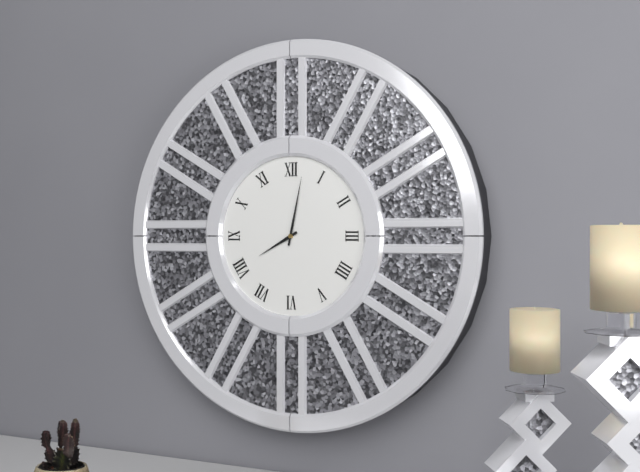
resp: 8,02
